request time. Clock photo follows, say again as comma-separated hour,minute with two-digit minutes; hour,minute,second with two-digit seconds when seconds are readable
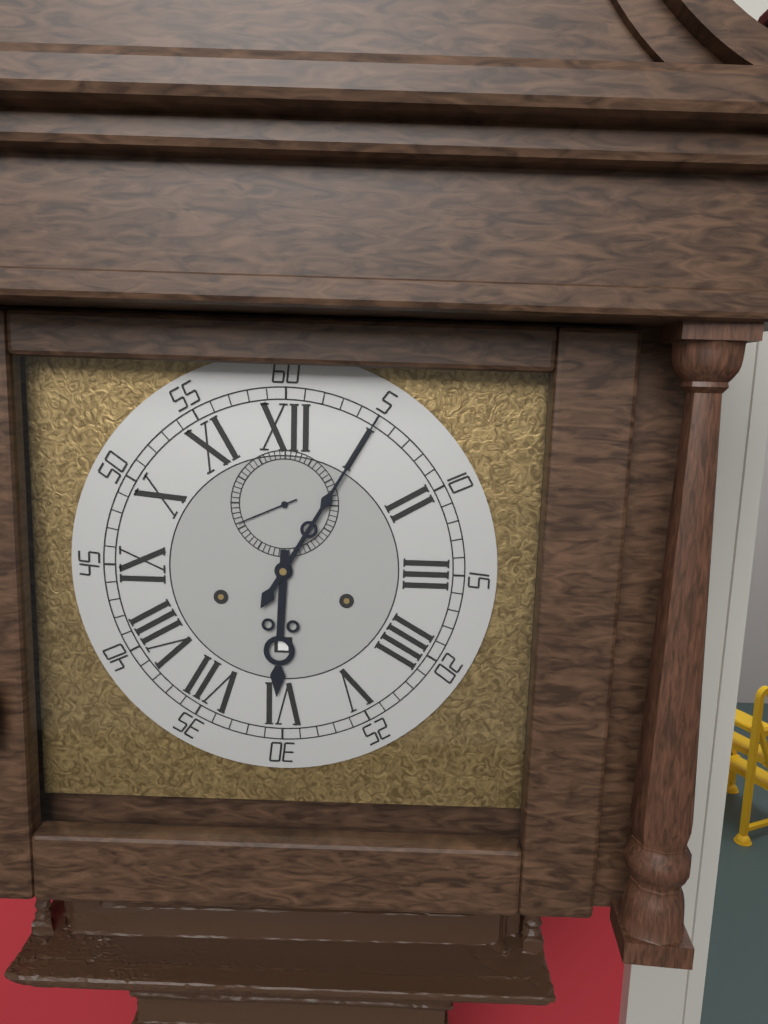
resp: 6,05,41
